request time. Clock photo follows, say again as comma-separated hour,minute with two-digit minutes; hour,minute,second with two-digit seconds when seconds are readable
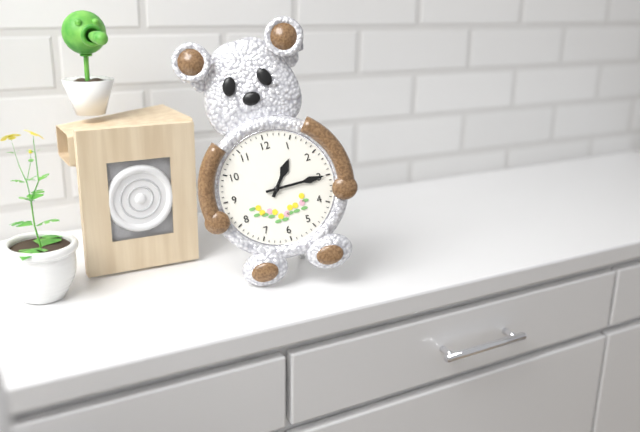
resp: 1,15
